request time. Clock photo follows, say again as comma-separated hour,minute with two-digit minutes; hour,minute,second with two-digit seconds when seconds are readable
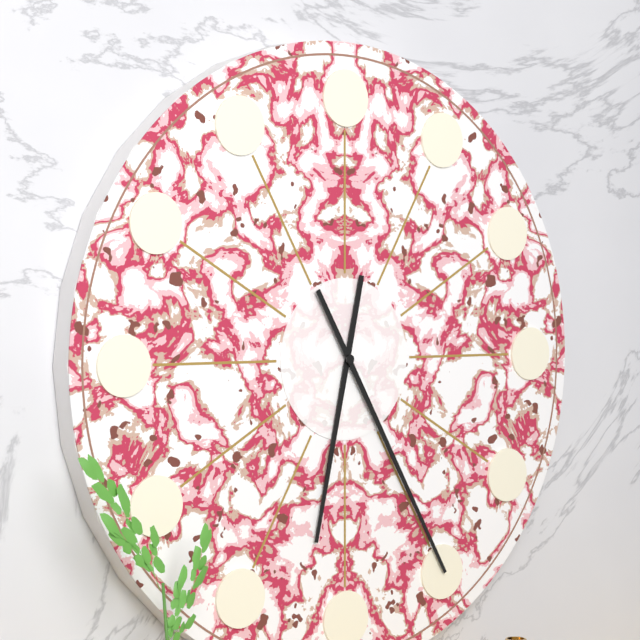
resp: 6,25
